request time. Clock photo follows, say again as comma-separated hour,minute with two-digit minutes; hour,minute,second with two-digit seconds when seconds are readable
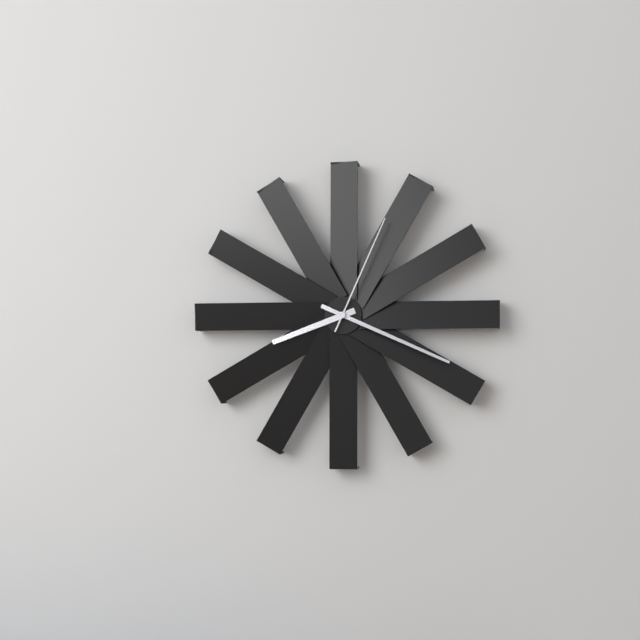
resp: 8,19,04
